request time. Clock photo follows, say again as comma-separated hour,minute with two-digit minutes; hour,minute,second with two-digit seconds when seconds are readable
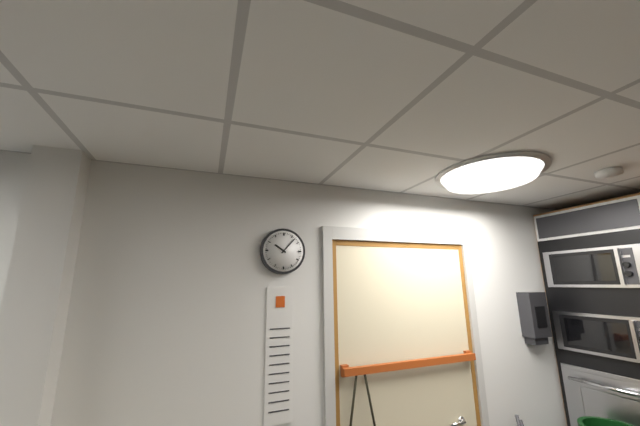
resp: 10,07
